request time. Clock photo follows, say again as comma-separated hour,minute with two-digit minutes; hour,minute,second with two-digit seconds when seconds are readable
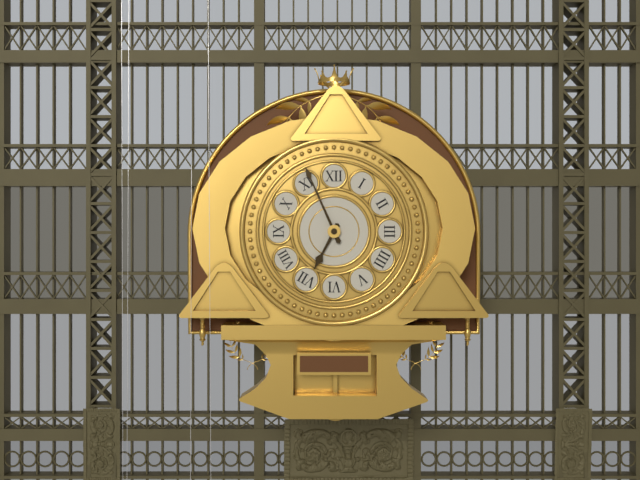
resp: 6,56
